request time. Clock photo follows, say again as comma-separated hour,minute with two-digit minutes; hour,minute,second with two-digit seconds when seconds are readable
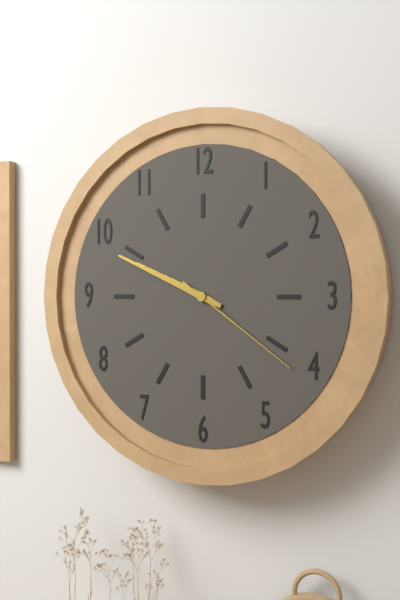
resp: 9,49,21
